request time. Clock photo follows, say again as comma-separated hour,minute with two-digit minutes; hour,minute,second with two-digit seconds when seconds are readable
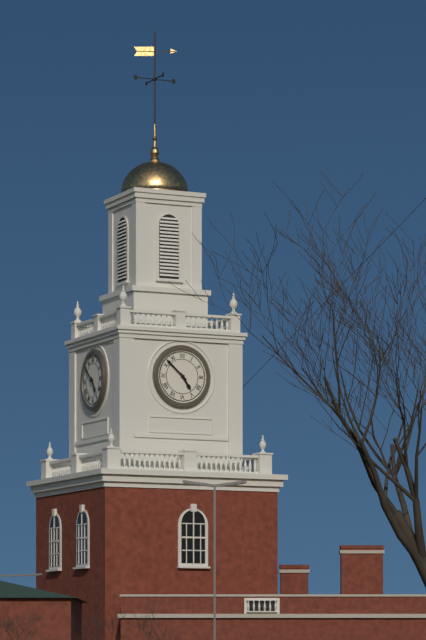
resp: 4,52
